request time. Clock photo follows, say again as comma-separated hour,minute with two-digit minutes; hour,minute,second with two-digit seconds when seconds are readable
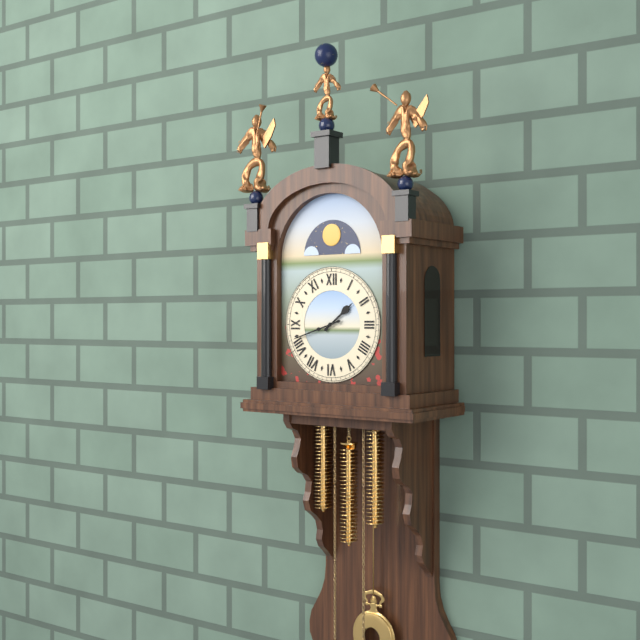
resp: 1,42
